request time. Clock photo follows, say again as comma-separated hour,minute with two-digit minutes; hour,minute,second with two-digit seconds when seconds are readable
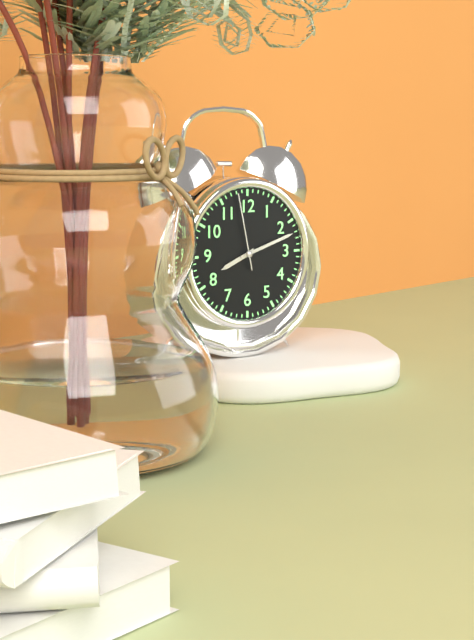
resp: 8,12,58
